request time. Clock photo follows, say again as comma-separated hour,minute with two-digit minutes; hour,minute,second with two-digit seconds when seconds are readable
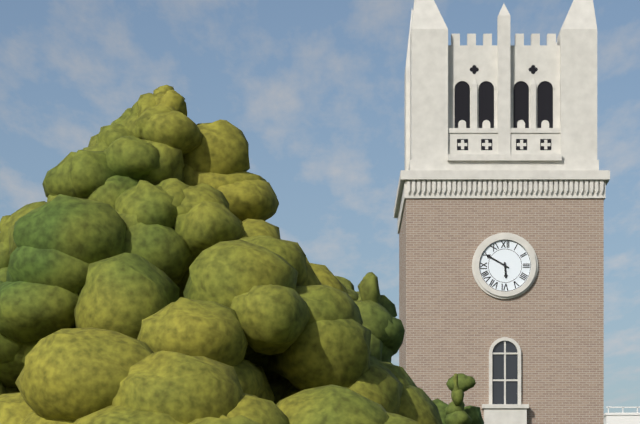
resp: 5,50
